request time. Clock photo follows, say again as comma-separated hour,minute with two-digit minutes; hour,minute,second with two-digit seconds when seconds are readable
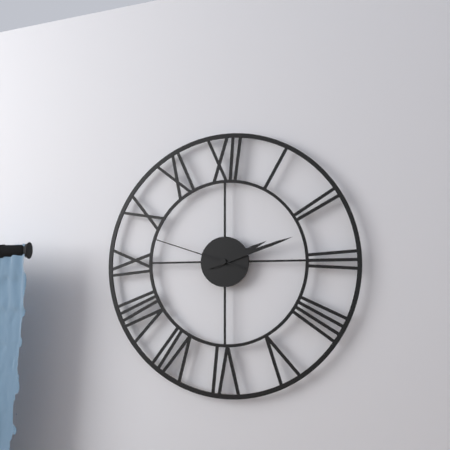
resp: 2,12,48
